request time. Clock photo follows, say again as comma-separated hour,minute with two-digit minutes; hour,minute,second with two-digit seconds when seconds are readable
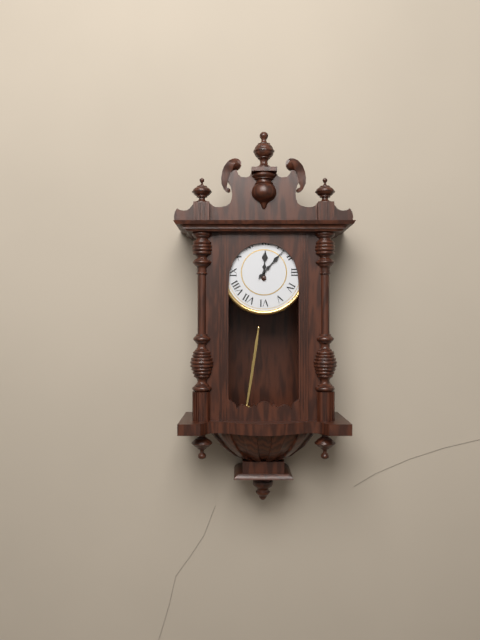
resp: 12,07
